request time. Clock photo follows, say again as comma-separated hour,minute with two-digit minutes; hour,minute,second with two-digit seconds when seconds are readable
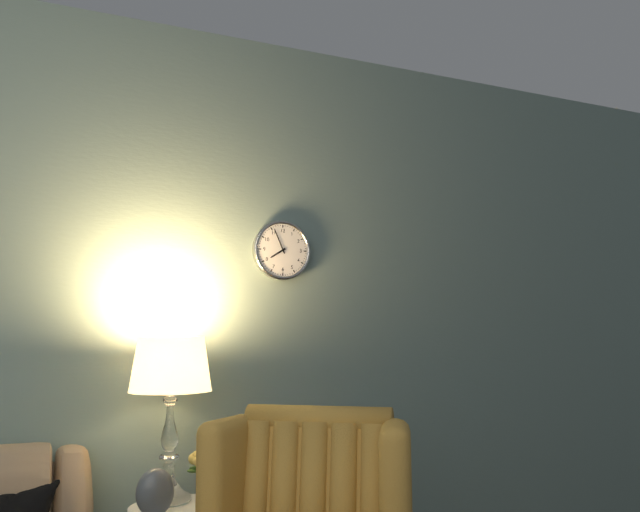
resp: 7,56
